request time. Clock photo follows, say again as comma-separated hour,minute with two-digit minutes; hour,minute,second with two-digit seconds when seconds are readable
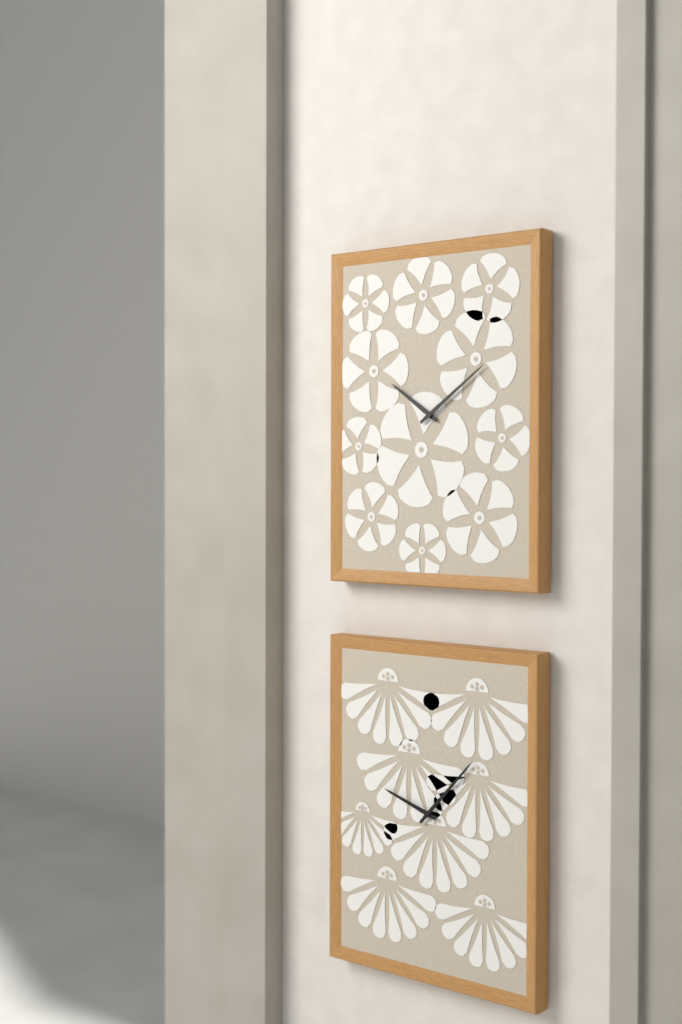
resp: 10,09
